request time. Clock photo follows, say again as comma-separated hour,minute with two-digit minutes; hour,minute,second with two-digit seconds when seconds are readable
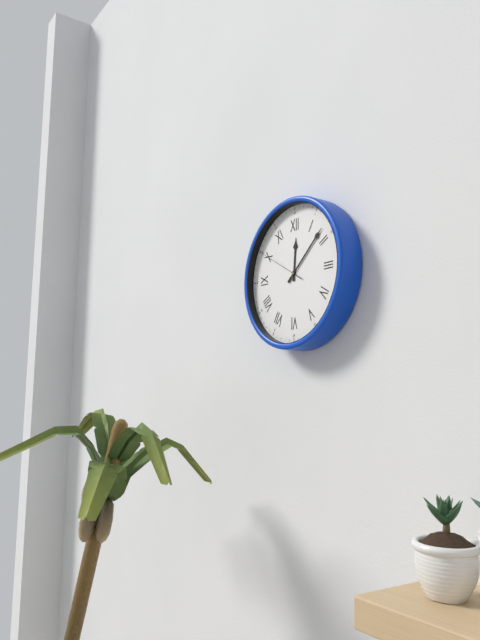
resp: 12,08
